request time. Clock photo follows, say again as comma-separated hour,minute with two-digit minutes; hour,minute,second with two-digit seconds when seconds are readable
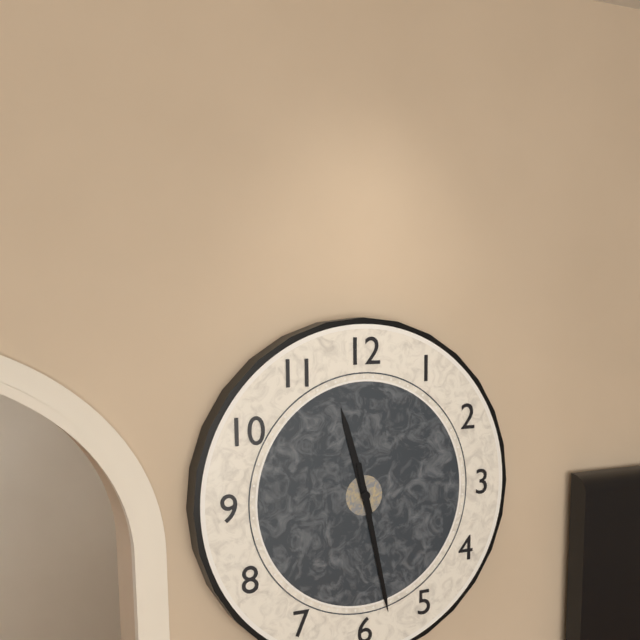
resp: 11,28
